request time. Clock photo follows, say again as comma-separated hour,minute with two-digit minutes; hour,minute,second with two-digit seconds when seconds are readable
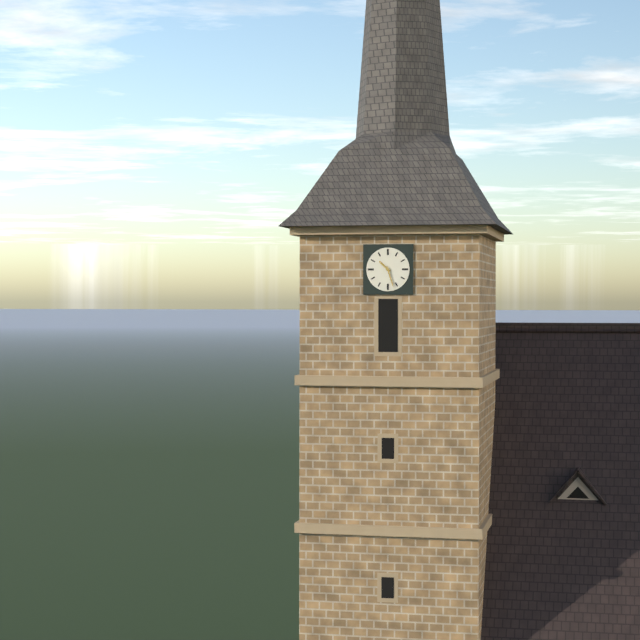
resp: 10,27
